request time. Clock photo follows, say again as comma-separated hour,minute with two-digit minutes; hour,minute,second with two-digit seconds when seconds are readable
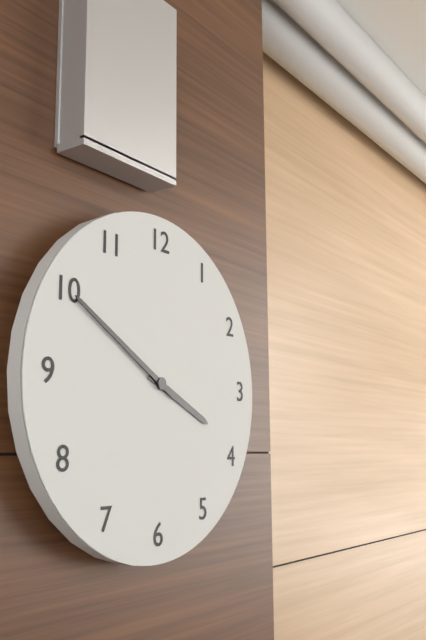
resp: 3,50
